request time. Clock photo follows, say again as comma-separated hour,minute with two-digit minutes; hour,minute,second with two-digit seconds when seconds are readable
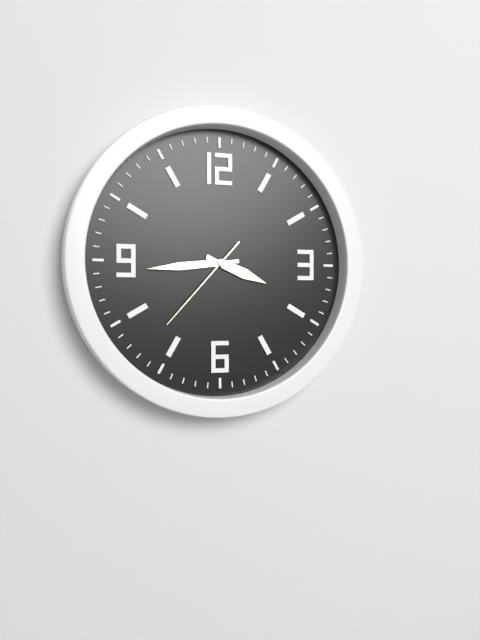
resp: 3,44,37
